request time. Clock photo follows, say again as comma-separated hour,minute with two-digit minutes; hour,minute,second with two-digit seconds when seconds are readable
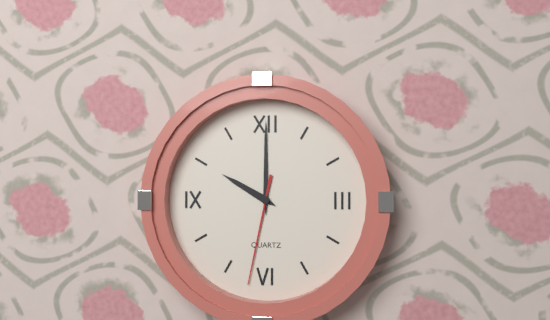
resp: 10,00,32
